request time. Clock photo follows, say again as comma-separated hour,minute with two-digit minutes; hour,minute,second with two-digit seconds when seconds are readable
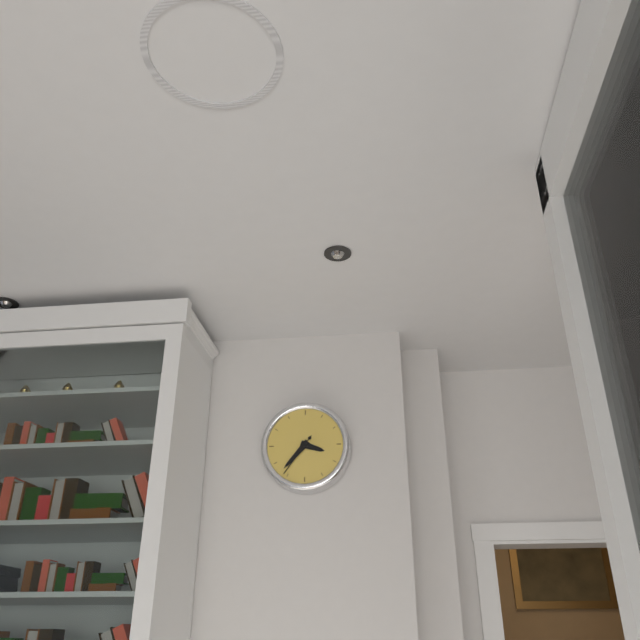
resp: 3,37
